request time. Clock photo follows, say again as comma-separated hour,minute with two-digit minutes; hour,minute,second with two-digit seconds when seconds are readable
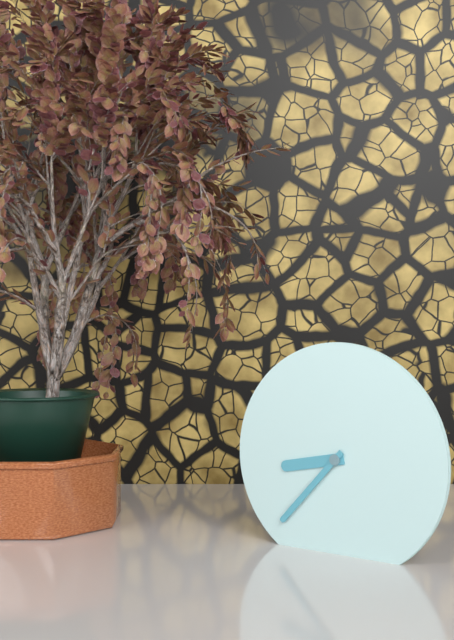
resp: 8,37
